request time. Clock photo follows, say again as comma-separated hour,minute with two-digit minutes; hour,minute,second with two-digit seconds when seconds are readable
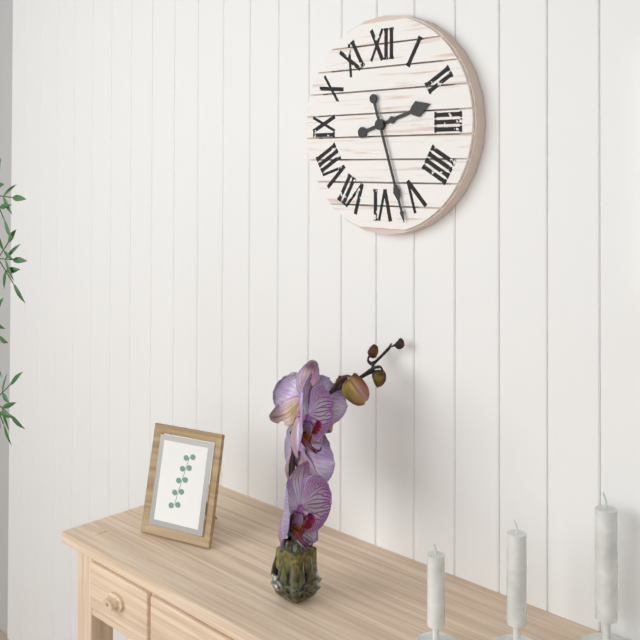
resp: 2,27
